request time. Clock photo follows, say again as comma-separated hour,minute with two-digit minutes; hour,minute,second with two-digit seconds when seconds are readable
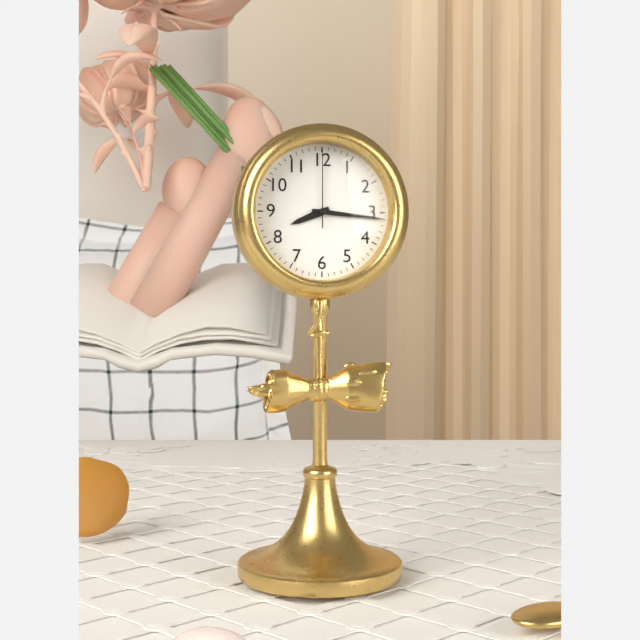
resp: 8,16,00
